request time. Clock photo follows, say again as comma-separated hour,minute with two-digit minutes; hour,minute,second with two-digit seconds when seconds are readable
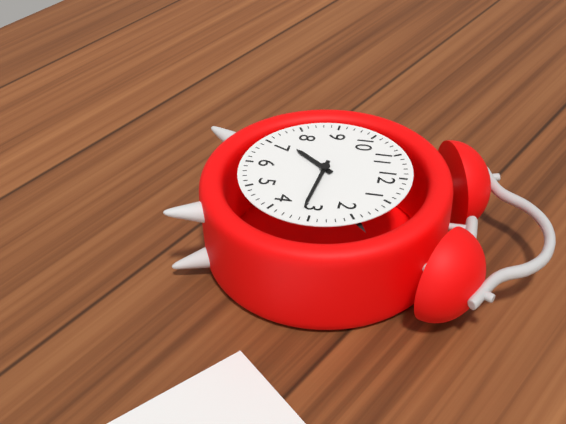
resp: 7,16
